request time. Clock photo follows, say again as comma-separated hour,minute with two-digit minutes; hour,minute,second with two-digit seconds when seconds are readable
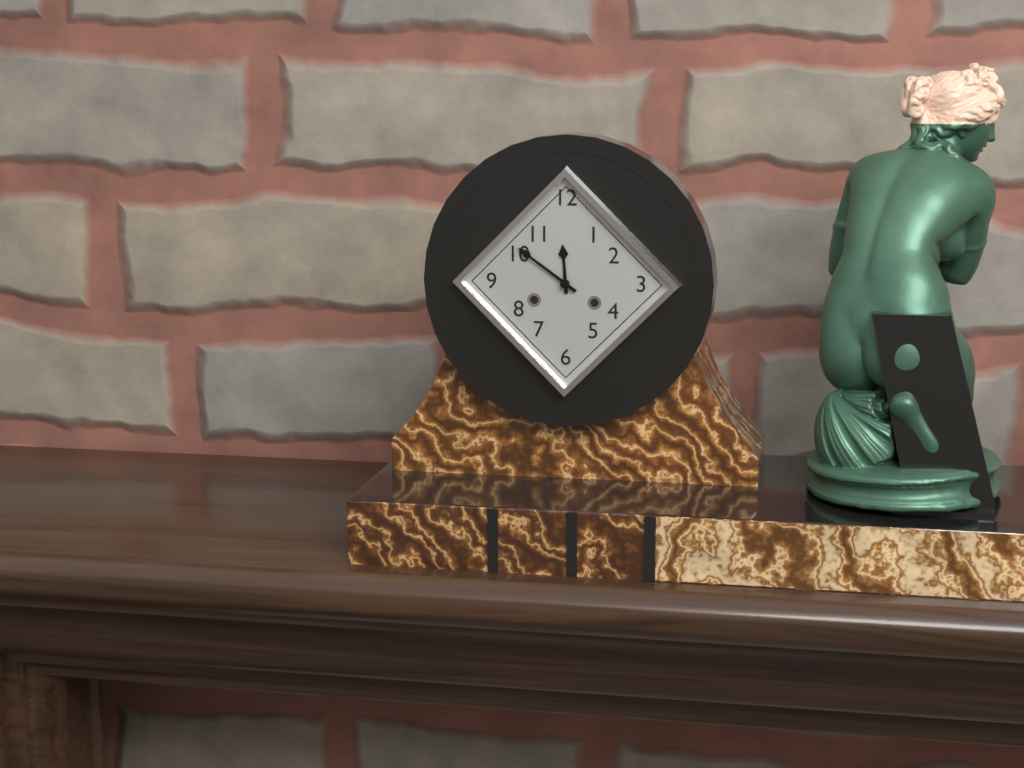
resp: 11,51
